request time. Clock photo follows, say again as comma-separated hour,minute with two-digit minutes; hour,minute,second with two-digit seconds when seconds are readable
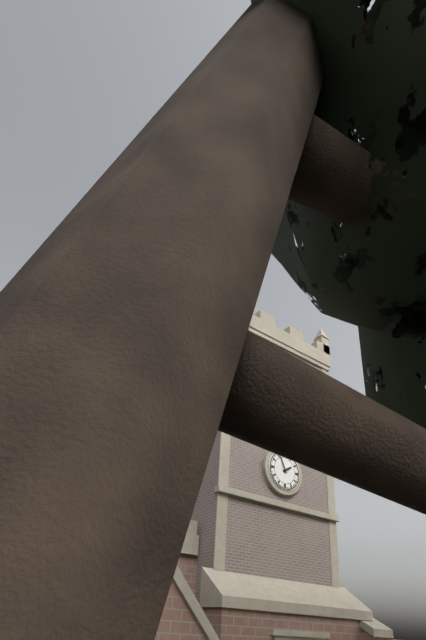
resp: 1,56
